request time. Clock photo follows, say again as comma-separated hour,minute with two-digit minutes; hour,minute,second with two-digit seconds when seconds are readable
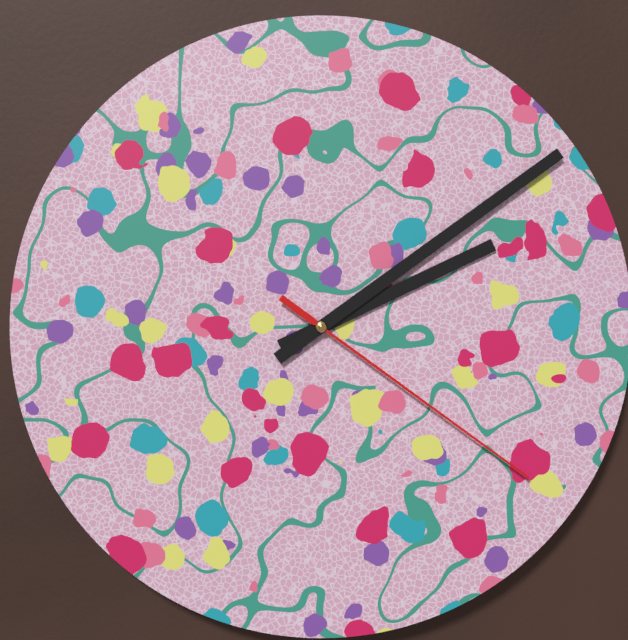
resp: 2,09,21
